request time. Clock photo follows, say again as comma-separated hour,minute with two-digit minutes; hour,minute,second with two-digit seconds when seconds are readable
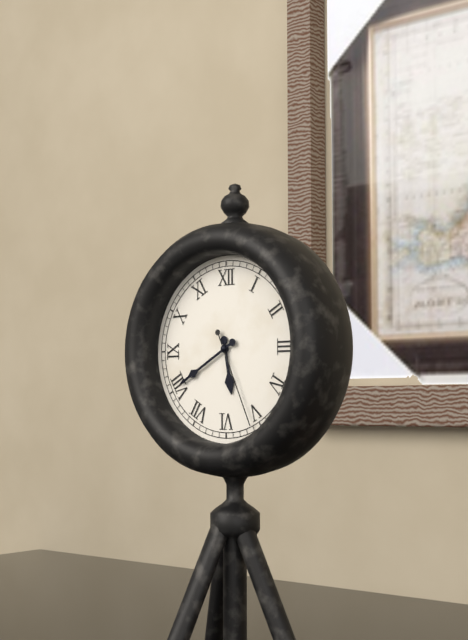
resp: 5,40,26
